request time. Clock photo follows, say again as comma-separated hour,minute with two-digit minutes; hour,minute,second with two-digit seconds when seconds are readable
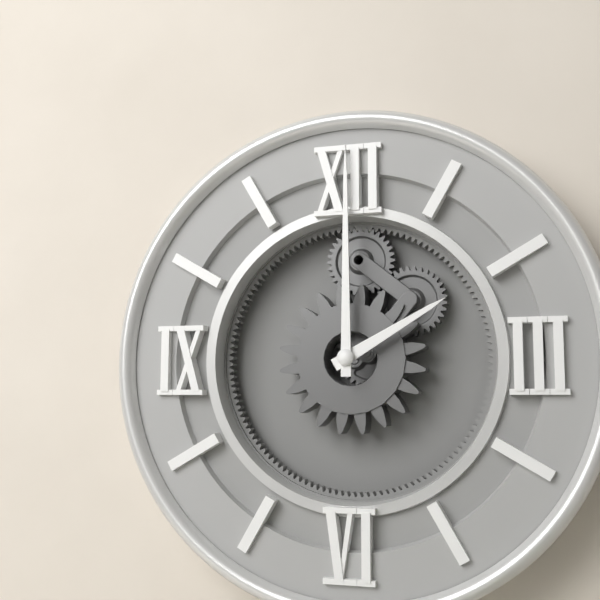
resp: 2,00
